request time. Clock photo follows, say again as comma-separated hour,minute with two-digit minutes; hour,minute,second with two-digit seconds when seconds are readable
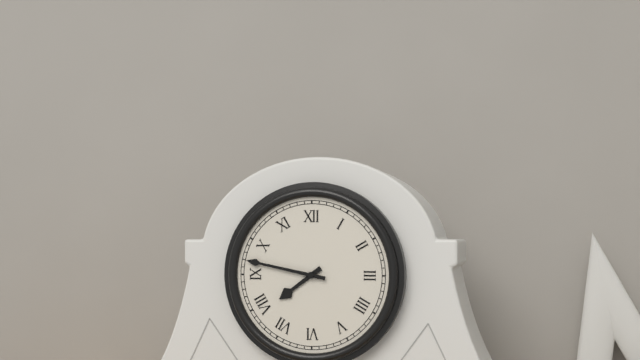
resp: 7,47
